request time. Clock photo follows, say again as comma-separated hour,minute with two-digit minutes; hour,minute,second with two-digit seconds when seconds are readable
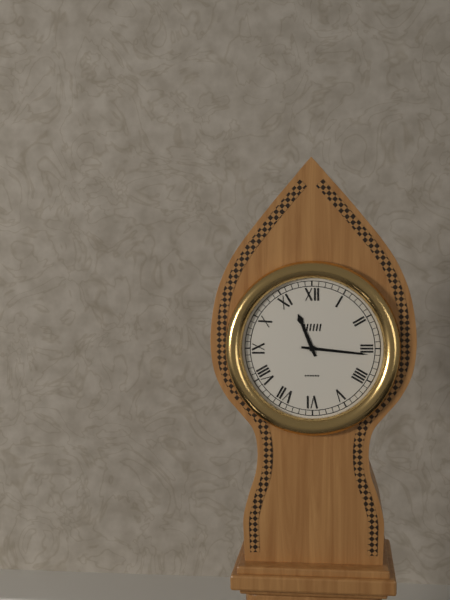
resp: 11,16
